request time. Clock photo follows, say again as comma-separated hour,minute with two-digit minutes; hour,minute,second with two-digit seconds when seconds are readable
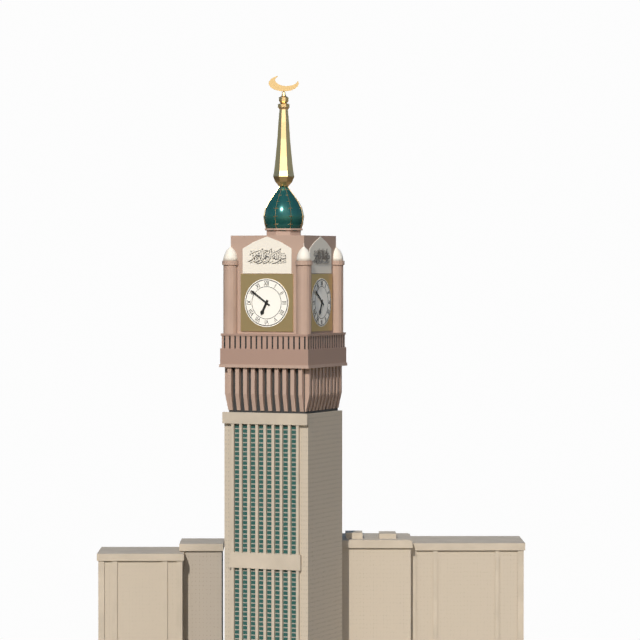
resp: 6,51
